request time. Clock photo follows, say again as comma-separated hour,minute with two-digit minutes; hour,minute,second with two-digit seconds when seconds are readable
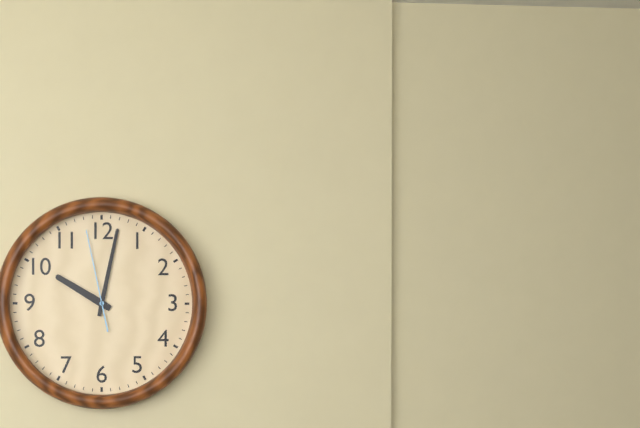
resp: 10,02,58
